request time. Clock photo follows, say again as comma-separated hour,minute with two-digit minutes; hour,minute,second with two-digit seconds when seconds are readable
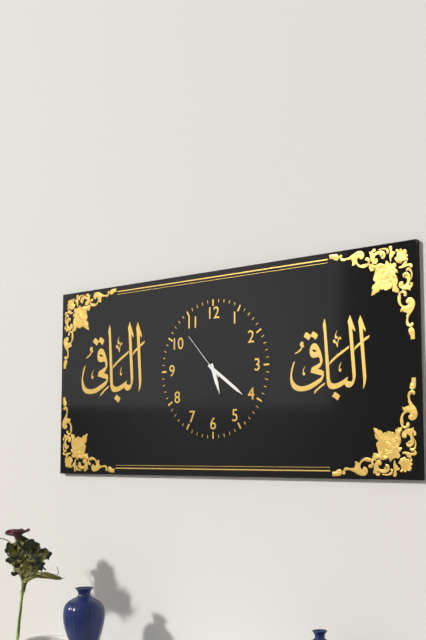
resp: 5,21
